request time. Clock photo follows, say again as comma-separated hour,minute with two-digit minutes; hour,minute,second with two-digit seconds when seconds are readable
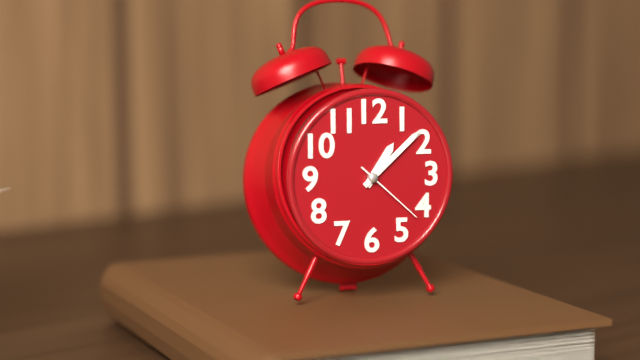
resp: 1,08,22
